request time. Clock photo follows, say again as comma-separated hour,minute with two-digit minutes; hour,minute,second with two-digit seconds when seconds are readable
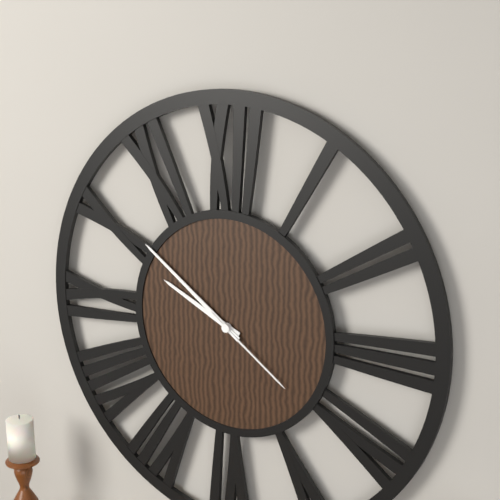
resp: 9,51,21
